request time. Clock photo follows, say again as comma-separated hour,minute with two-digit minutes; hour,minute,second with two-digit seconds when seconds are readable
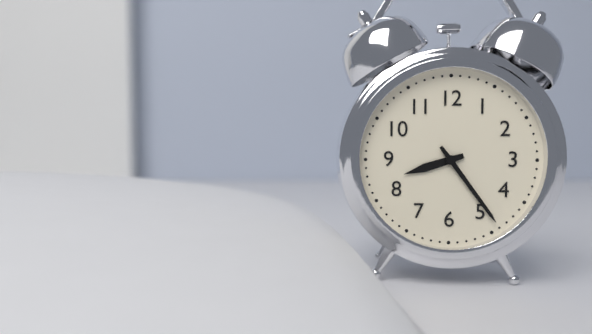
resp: 8,24
